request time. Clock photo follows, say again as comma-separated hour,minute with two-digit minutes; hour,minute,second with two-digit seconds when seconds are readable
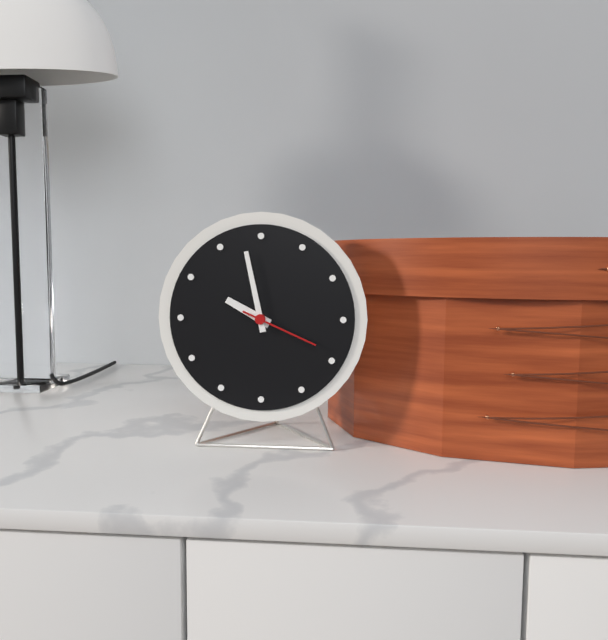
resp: 9,58,19
